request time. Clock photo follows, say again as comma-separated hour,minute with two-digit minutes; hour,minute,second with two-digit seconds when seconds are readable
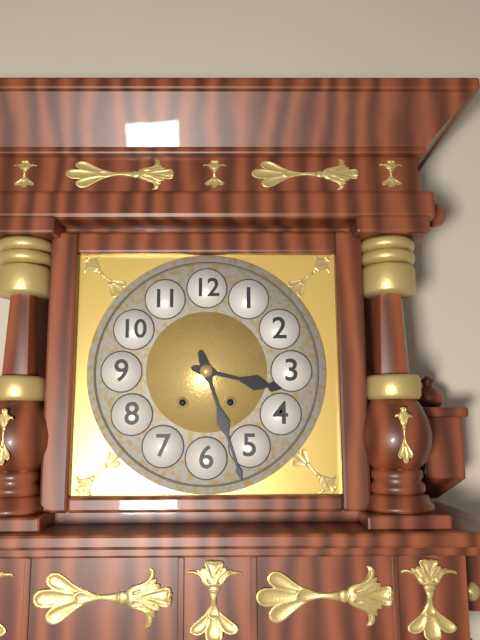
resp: 3,27
